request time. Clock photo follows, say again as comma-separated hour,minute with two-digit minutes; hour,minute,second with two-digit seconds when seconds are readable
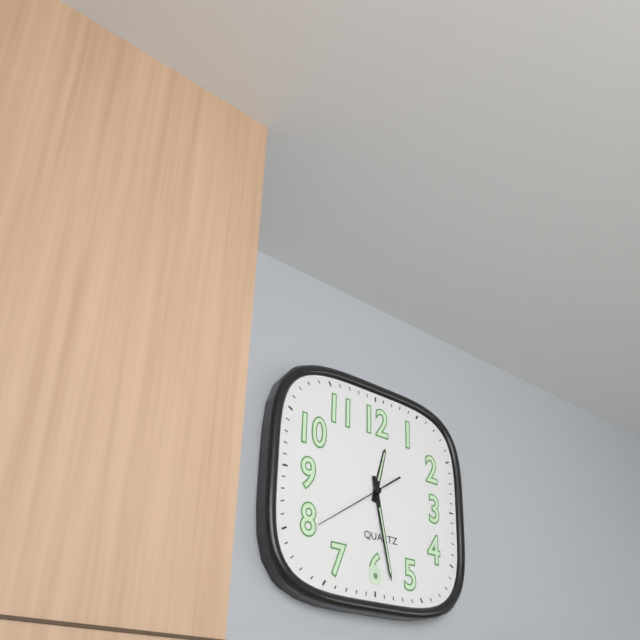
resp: 12,28,39
